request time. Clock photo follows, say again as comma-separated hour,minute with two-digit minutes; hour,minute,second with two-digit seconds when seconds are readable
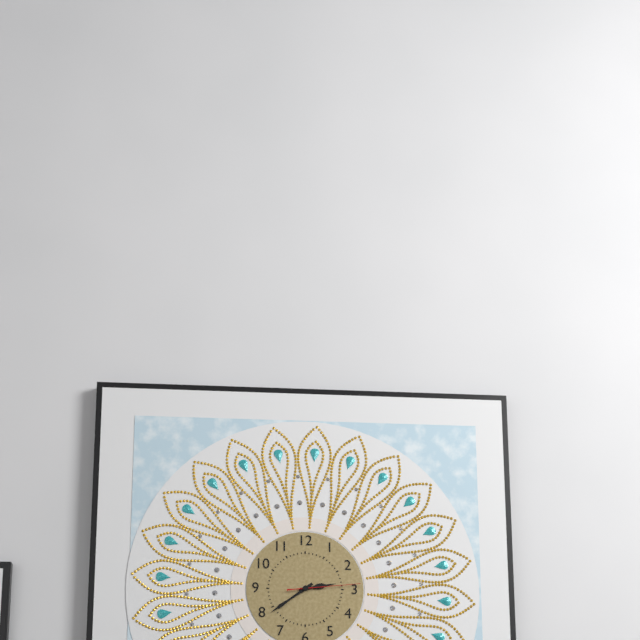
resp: 2,39,14
